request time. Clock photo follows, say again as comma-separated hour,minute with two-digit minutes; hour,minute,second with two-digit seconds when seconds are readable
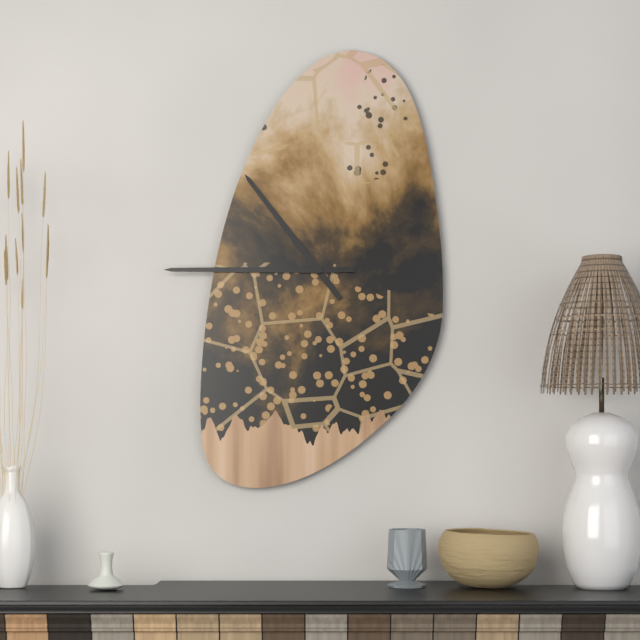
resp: 10,45
